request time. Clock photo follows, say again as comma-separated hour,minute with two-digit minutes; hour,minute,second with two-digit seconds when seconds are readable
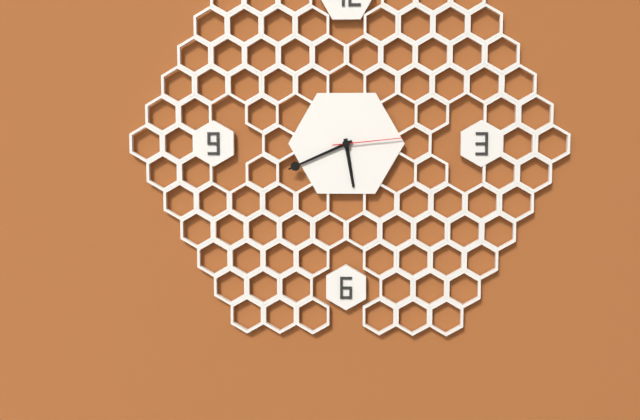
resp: 5,41,14
